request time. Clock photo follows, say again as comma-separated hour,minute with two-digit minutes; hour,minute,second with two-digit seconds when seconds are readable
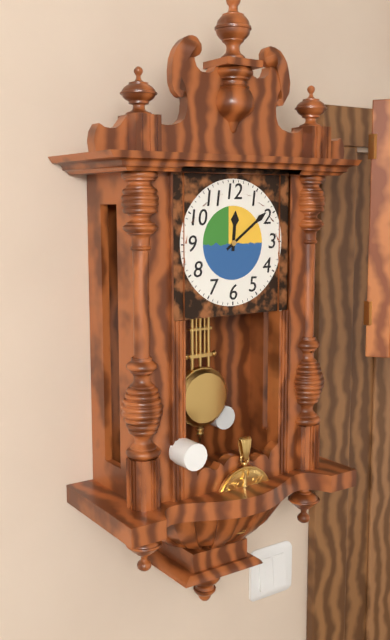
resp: 12,09
